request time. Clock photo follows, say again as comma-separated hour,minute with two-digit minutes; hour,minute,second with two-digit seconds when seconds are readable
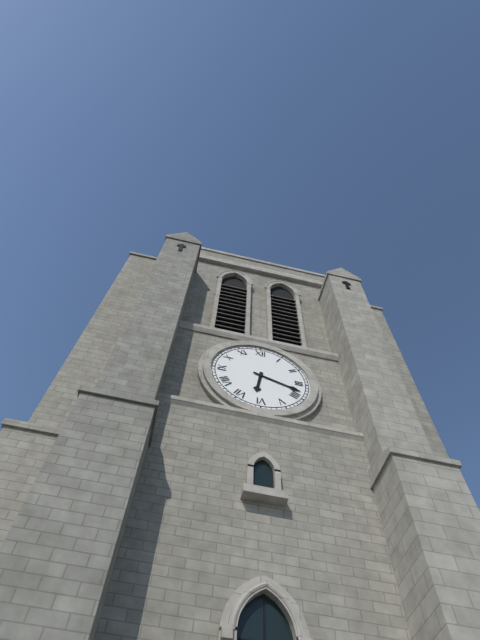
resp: 6,18
